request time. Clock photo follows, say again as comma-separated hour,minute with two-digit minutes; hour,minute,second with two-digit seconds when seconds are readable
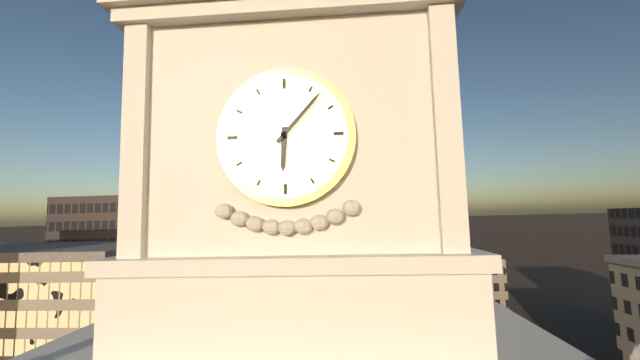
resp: 6,07
